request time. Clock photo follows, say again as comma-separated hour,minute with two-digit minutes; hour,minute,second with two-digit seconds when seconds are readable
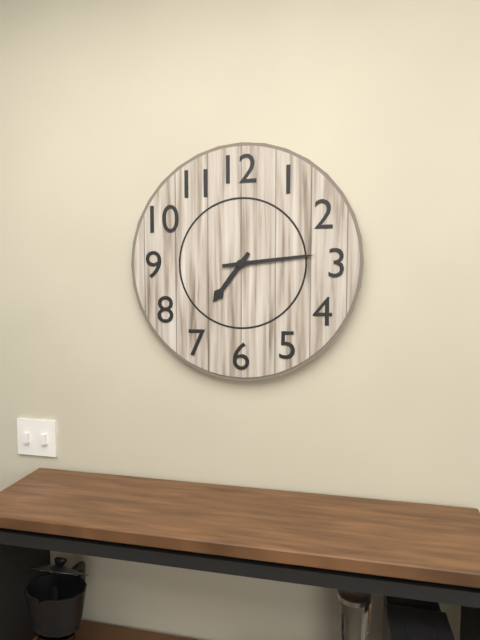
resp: 7,14
